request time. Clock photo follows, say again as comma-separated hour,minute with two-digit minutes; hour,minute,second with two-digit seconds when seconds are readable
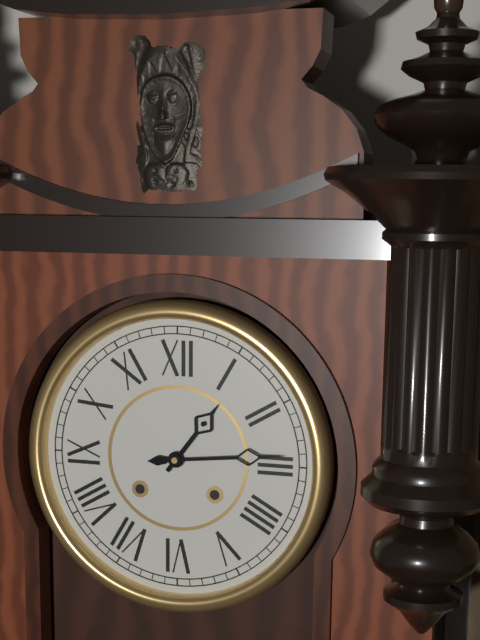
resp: 1,14
